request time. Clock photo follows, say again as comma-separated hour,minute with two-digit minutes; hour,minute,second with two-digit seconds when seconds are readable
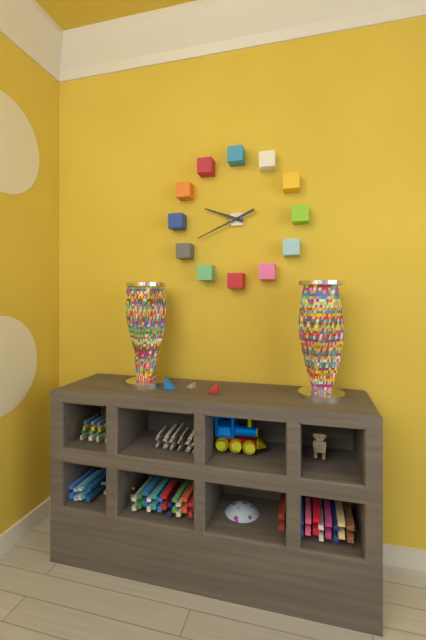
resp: 9,41
